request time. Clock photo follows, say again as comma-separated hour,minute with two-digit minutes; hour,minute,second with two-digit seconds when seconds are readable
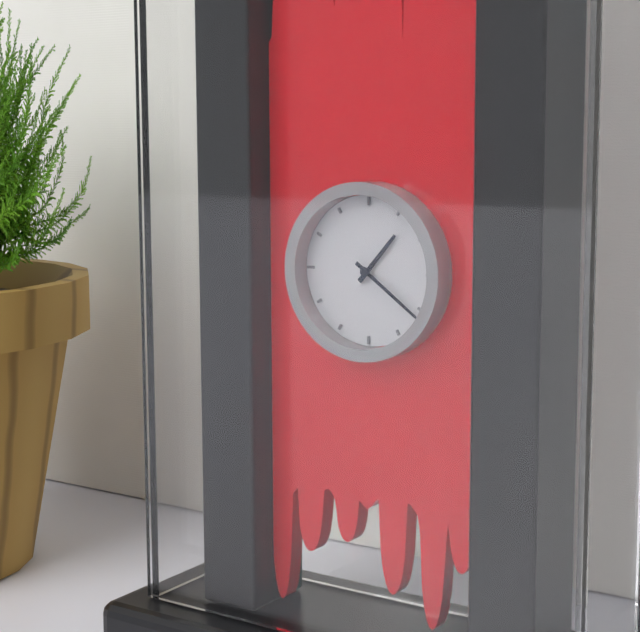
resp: 1,21
